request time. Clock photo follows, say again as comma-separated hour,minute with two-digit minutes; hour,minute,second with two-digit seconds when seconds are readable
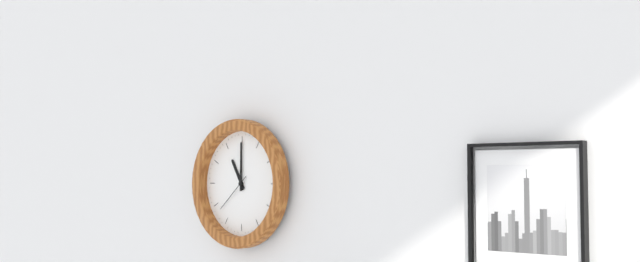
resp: 11,00
